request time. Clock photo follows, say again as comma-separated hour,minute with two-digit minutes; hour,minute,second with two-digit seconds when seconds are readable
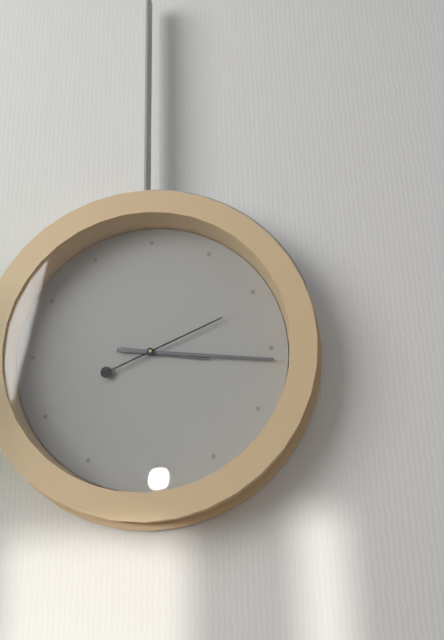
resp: 3,16,11
